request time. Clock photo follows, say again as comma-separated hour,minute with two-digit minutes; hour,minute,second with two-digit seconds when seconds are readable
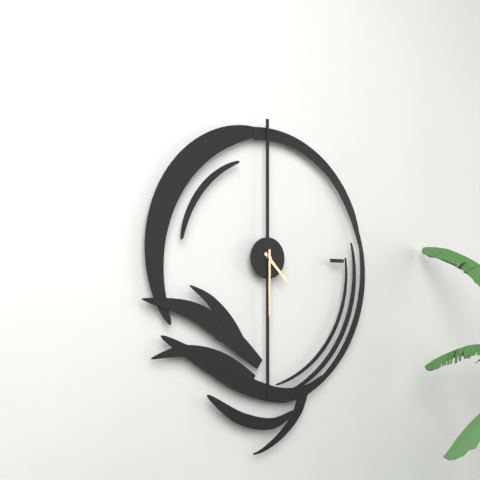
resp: 4,30
